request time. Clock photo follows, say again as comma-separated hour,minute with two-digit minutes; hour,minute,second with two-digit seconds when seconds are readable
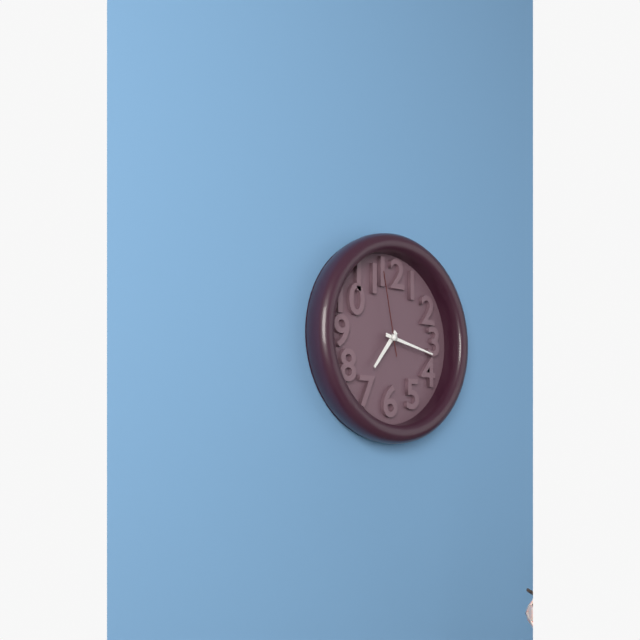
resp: 7,17,58
